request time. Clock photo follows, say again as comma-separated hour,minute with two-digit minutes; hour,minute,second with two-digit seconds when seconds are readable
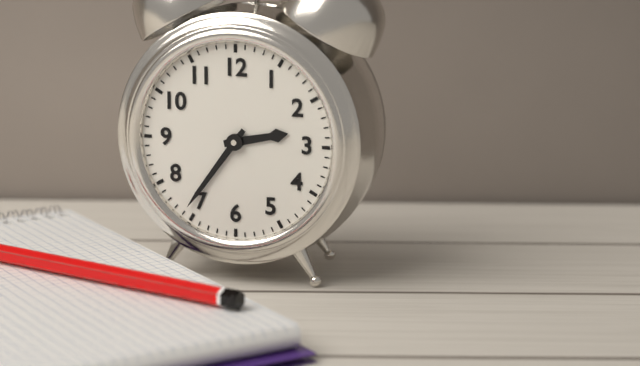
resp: 2,36
